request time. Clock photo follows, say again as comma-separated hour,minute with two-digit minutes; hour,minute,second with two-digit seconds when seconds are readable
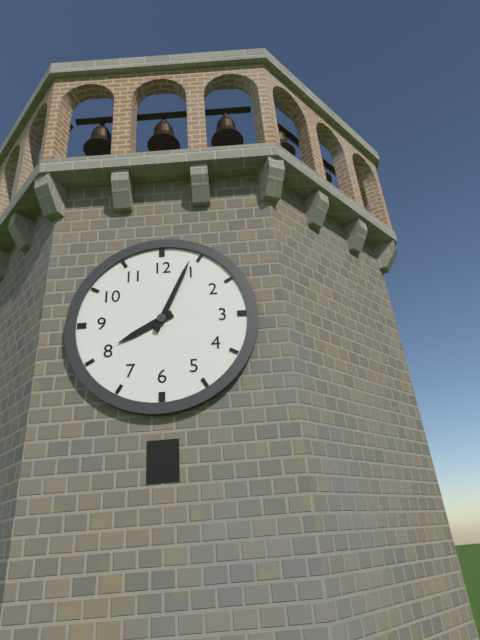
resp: 8,04
